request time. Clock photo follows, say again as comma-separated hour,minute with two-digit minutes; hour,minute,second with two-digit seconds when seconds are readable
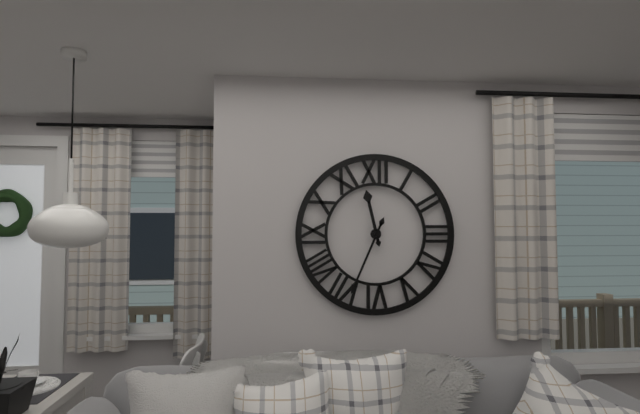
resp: 11,34
